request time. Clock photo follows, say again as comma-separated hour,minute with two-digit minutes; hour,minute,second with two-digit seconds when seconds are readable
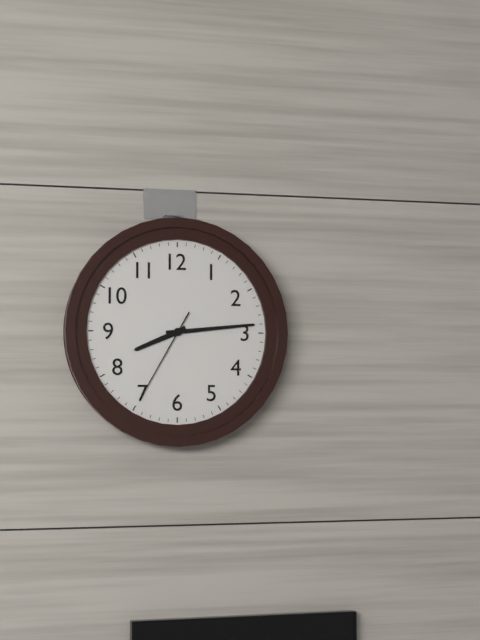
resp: 8,14,35
